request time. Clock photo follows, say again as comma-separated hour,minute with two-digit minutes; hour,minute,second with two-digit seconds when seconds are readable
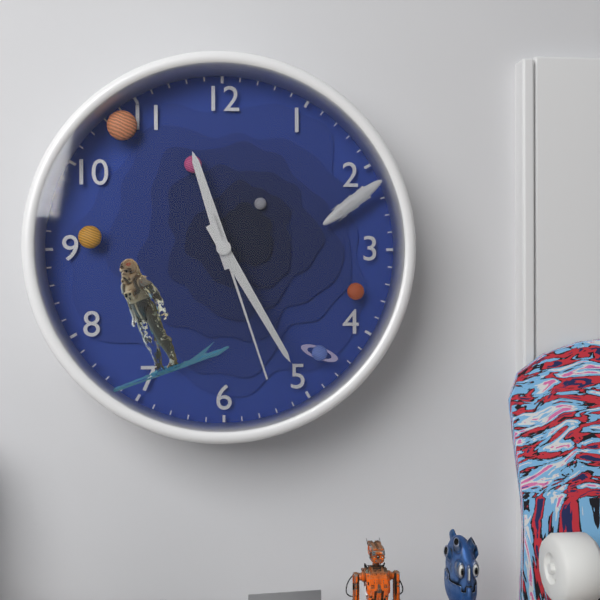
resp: 11,25,27
